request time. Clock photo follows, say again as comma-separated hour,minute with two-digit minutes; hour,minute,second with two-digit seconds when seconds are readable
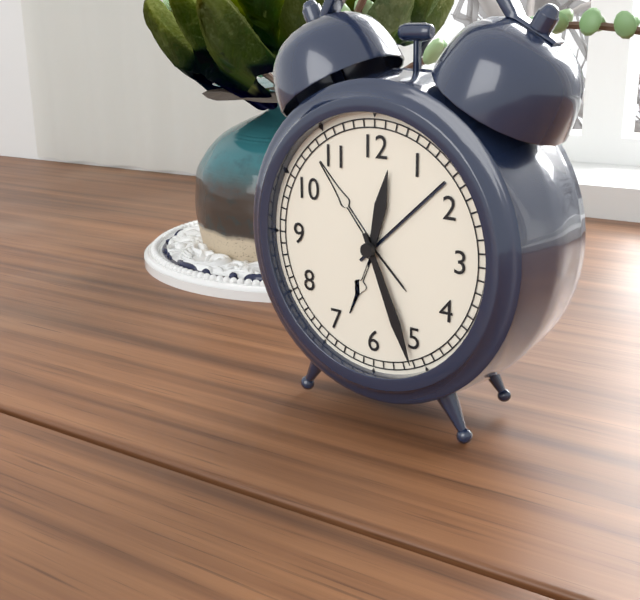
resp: 12,26
